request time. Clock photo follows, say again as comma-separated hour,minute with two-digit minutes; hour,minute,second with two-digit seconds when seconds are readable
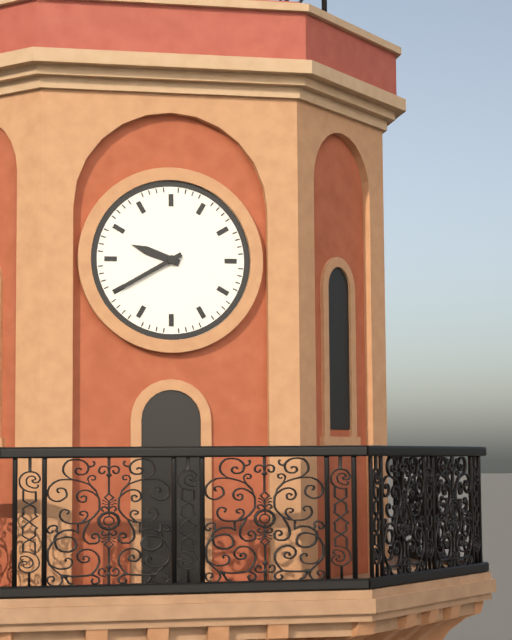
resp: 9,40
